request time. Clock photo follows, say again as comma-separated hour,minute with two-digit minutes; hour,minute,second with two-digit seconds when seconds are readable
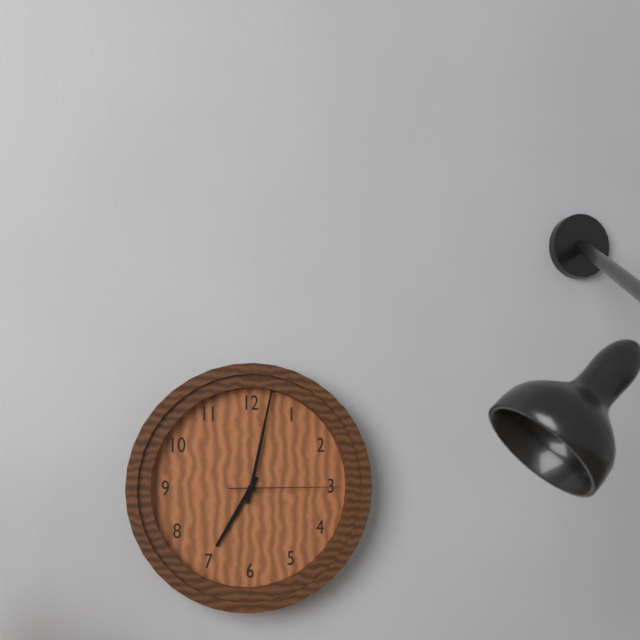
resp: 7,02,15
